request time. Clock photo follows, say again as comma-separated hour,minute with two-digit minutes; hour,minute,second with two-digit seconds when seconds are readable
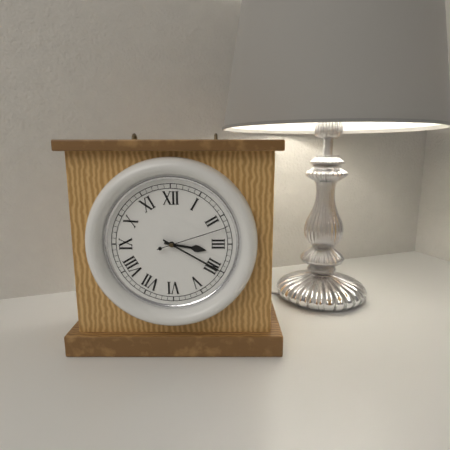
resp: 3,20,12
